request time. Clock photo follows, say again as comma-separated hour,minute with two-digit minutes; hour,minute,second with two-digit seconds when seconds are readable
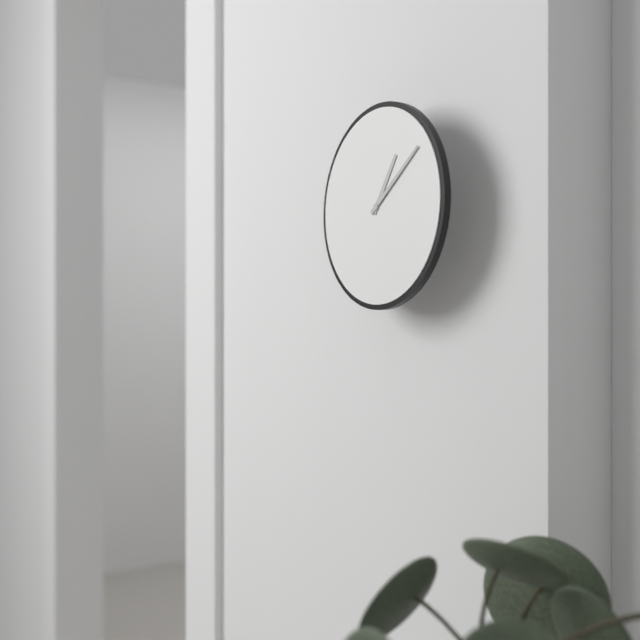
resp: 1,09
